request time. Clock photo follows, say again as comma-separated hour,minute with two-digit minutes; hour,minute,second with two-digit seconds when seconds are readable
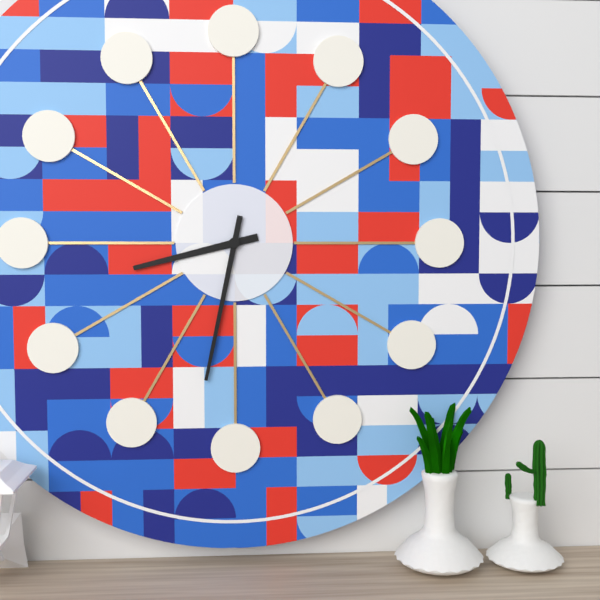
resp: 8,32
